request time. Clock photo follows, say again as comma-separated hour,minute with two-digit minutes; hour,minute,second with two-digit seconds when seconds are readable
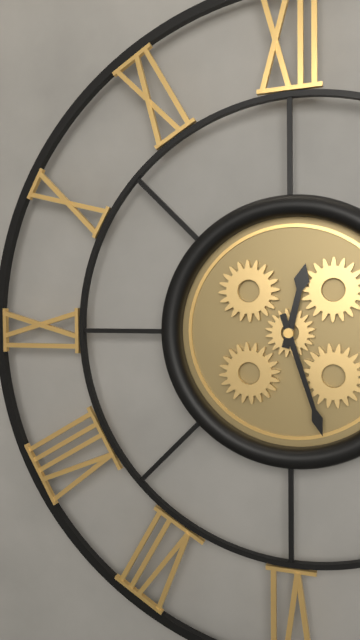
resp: 12,27
